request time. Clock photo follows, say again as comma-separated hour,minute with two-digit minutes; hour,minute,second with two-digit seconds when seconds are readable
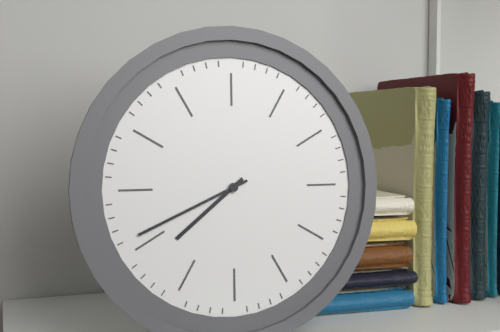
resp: 7,41
